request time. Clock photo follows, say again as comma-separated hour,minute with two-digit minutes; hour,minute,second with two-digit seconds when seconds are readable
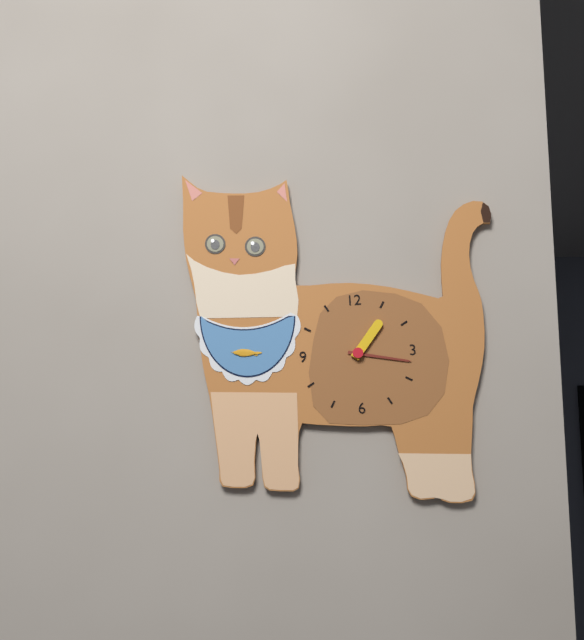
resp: 1,17
